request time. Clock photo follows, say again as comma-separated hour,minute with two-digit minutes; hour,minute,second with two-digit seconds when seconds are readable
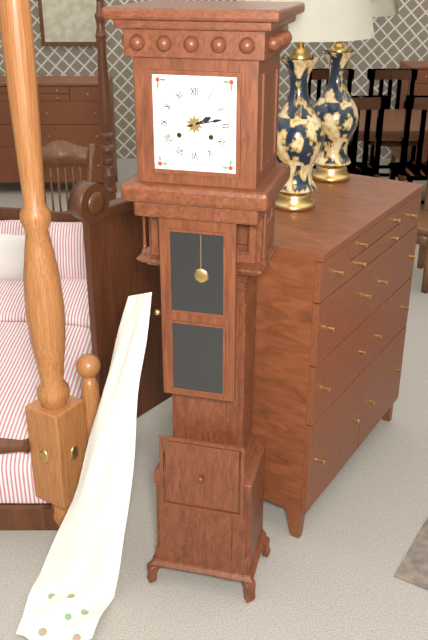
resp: 2,13
